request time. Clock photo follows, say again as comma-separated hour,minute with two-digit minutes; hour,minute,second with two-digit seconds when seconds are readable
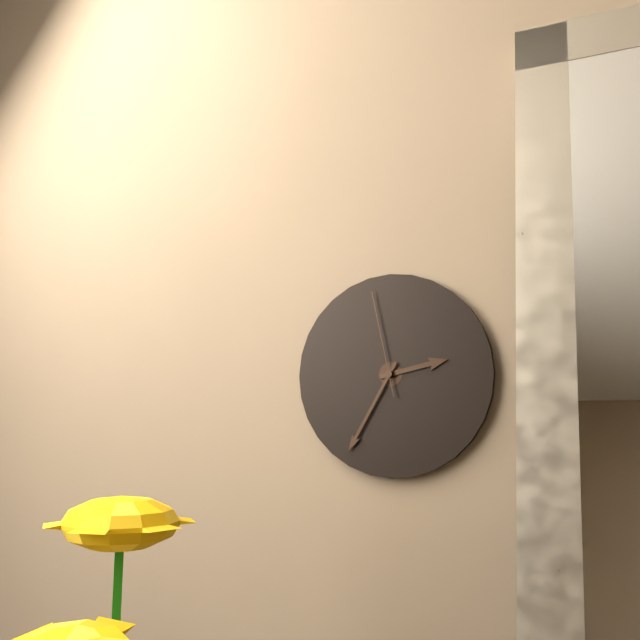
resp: 2,35,58
